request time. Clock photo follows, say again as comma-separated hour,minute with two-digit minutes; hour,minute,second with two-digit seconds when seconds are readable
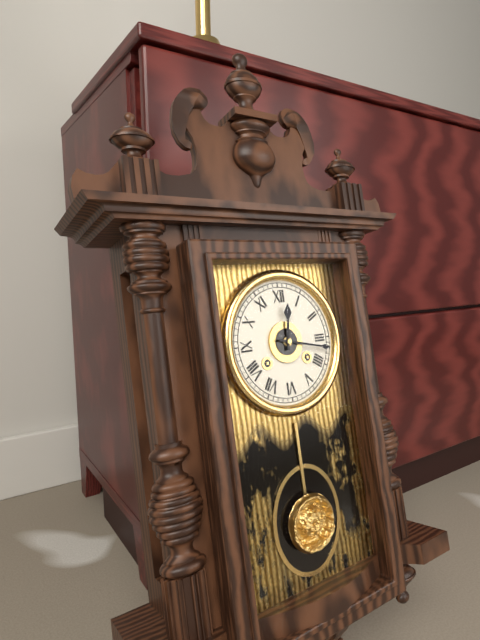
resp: 12,17
